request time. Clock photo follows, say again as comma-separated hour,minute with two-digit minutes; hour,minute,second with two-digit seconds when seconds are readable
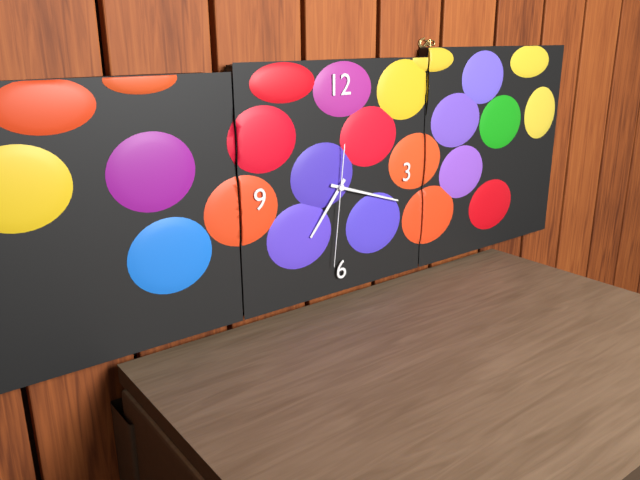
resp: 7,18,31
